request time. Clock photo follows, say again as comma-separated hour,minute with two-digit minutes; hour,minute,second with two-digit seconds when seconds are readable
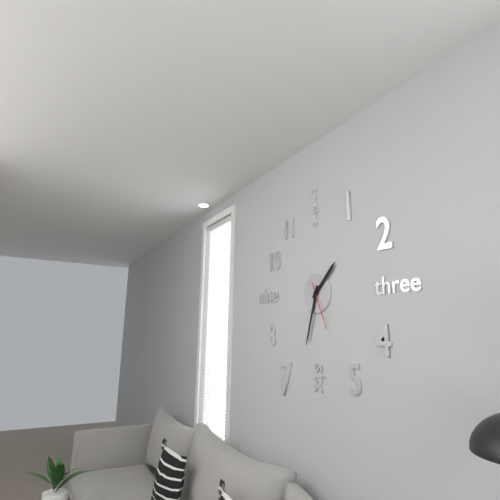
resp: 1,33
